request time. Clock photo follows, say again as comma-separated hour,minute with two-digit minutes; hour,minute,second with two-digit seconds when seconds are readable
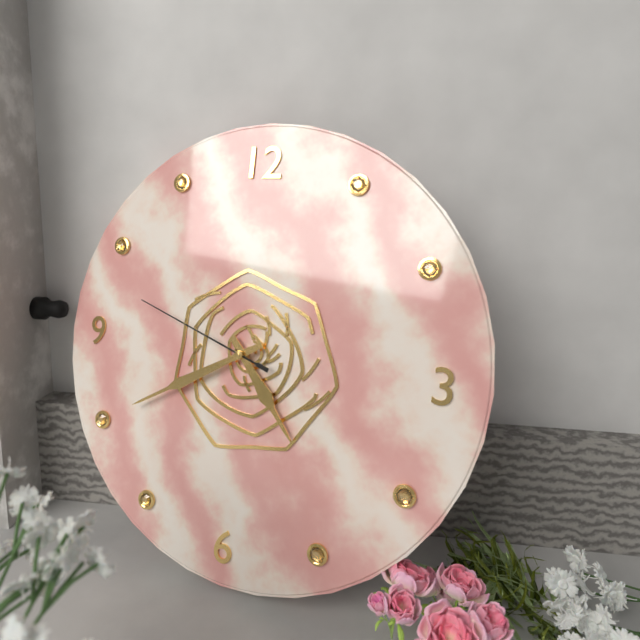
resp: 4,40,48
